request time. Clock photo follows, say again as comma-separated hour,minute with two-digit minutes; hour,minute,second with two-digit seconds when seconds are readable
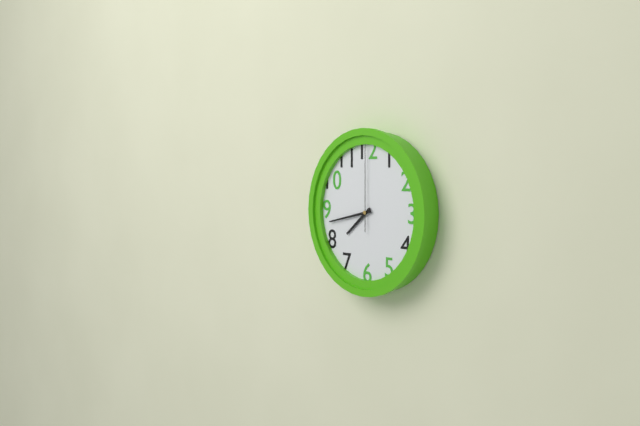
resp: 7,43,00
